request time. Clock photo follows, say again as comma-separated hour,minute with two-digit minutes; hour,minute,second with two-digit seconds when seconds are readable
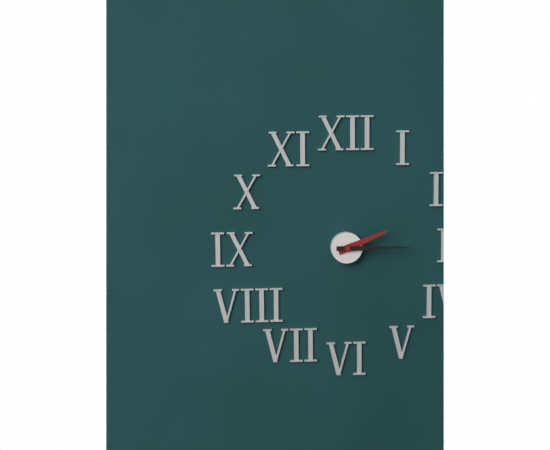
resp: 2,15
